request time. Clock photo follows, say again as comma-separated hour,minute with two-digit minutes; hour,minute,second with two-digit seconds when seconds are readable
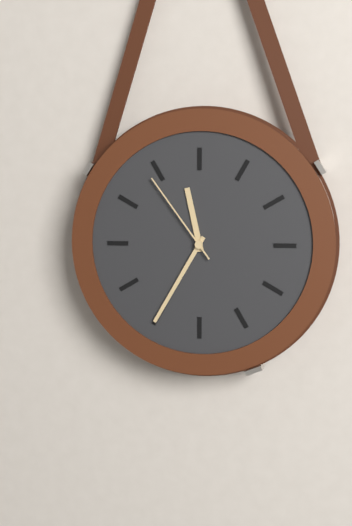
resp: 11,35,54
